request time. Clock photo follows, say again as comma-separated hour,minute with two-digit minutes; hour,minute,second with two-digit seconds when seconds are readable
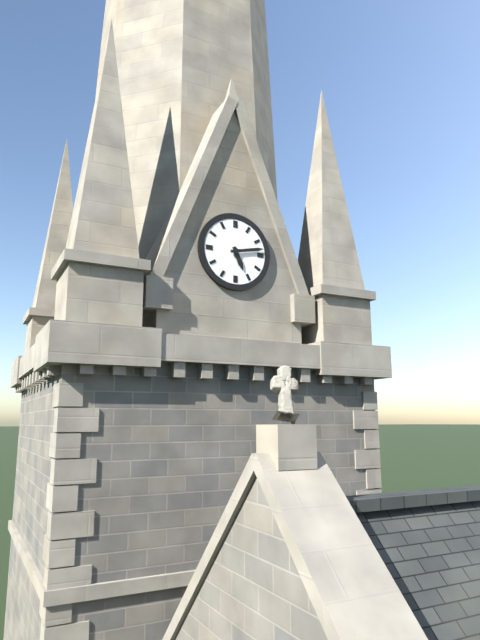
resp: 5,13
